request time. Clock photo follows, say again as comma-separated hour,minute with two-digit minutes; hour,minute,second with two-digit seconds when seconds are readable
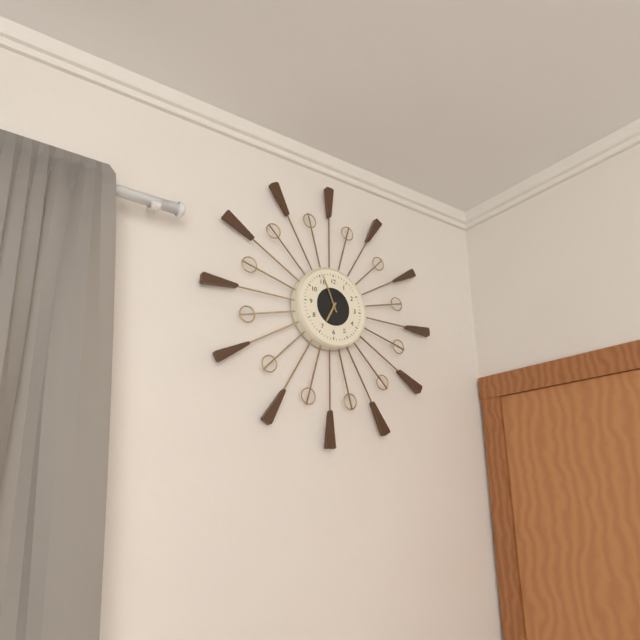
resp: 6,56
